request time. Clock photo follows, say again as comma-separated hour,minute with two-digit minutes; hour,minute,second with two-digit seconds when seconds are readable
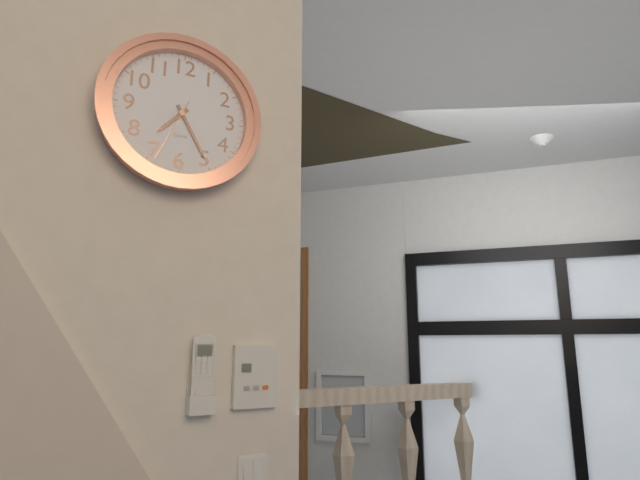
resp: 7,25,34
